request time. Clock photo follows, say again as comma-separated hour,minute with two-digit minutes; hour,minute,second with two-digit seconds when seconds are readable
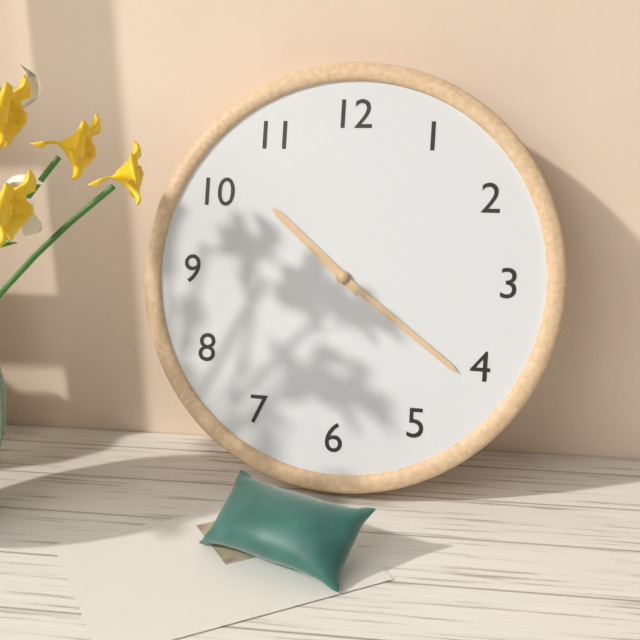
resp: 10,21
